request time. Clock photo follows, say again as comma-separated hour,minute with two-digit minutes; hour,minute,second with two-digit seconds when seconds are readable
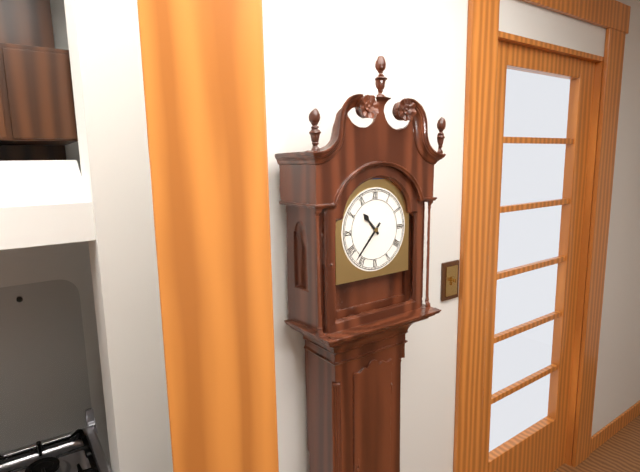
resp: 10,37
